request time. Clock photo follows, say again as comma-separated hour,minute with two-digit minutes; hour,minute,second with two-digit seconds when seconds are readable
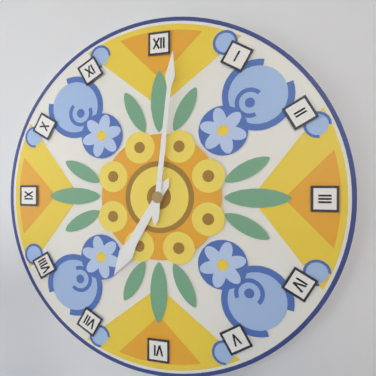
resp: 7,01
